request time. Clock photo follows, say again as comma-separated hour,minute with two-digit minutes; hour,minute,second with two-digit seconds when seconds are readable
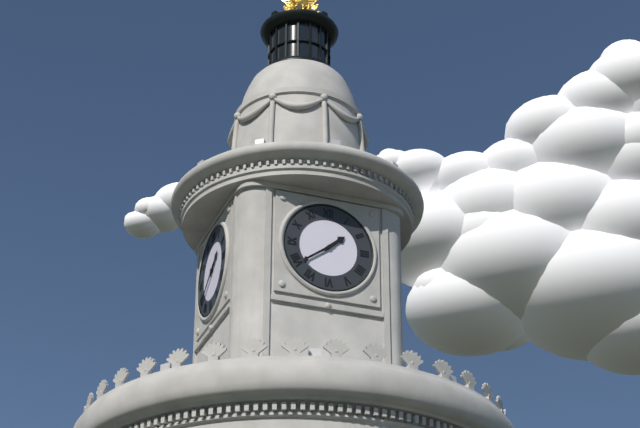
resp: 1,39
